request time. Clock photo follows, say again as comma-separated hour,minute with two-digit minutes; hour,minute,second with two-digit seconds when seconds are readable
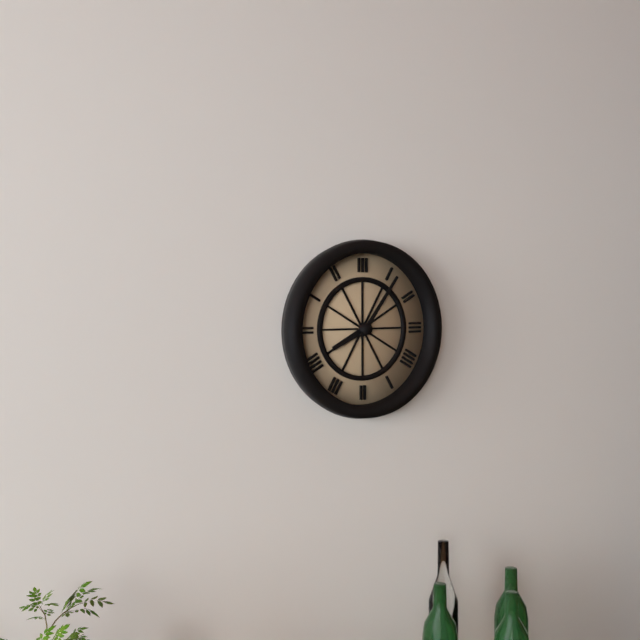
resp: 8,06
